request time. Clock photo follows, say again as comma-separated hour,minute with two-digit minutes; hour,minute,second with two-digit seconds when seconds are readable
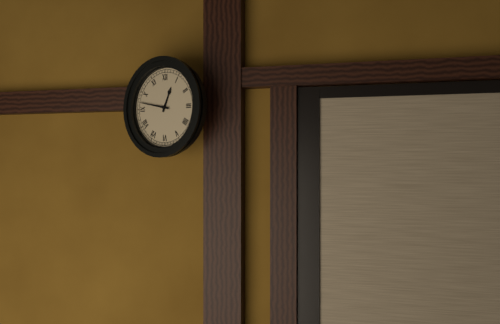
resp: 12,47
